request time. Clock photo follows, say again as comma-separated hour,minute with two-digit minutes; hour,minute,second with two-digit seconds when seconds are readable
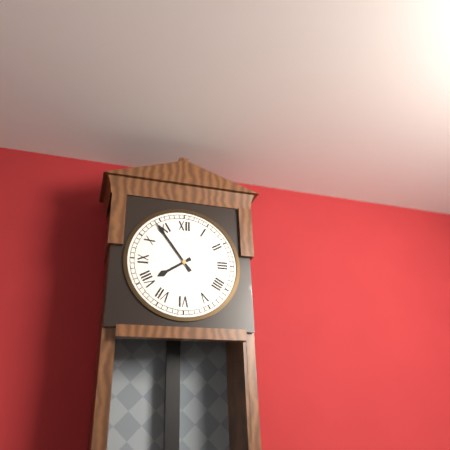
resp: 7,54
